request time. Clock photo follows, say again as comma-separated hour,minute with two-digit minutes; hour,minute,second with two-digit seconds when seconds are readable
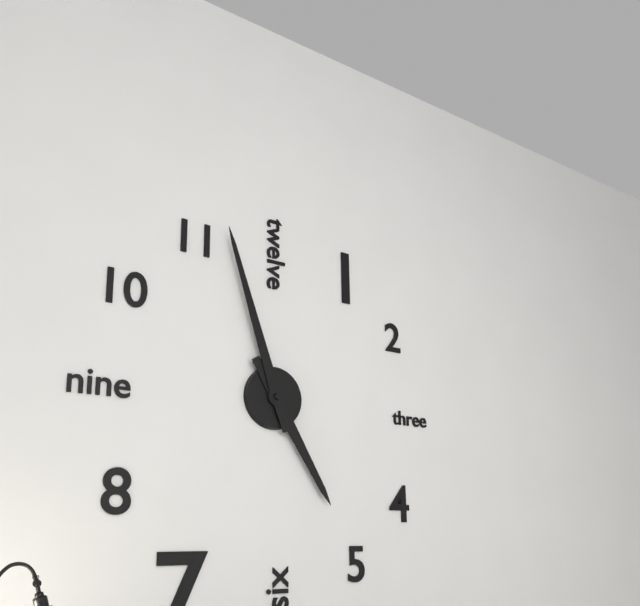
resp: 4,57
